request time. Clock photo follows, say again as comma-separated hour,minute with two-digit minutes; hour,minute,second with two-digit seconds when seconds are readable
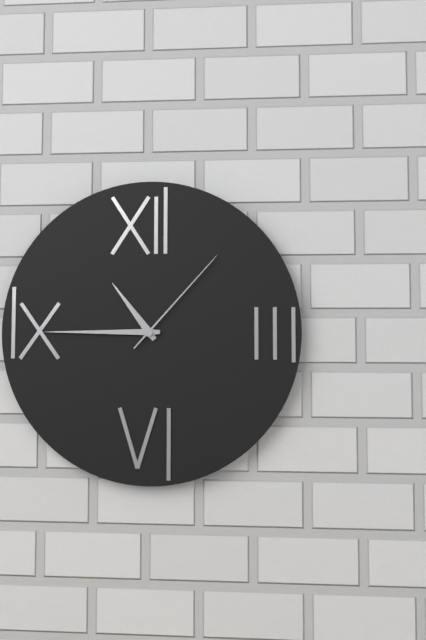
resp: 10,45,07
